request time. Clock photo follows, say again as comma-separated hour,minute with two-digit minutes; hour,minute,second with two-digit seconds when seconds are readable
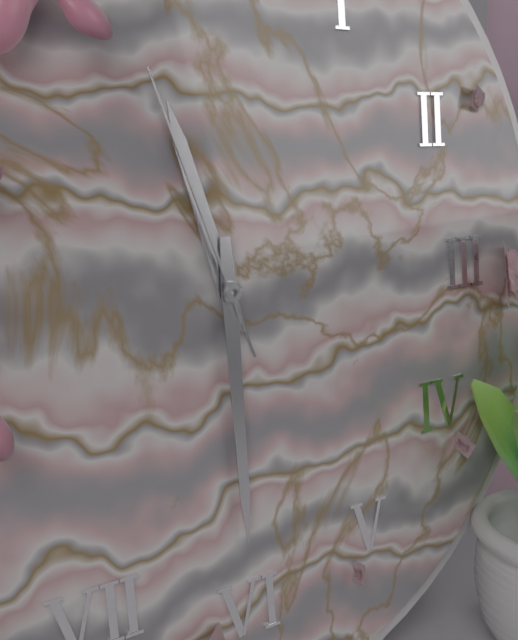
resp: 11,30,57
